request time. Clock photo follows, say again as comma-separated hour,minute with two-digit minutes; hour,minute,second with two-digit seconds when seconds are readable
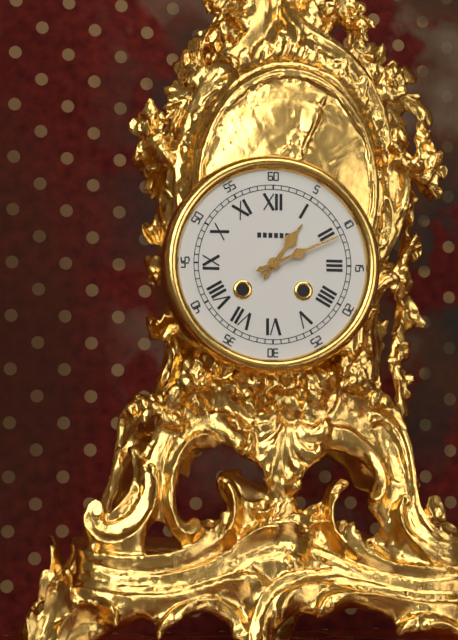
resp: 1,11
